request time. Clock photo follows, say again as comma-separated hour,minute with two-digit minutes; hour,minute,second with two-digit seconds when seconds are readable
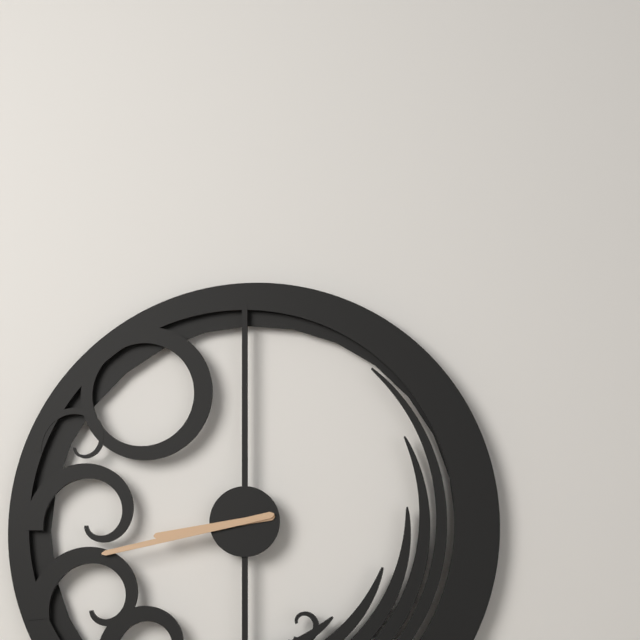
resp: 8,43
